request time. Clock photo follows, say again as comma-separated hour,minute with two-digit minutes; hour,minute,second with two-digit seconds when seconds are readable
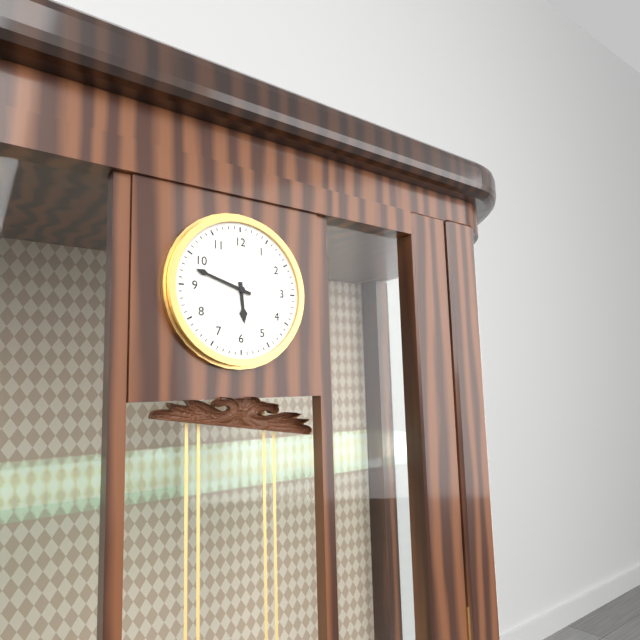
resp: 5,48
